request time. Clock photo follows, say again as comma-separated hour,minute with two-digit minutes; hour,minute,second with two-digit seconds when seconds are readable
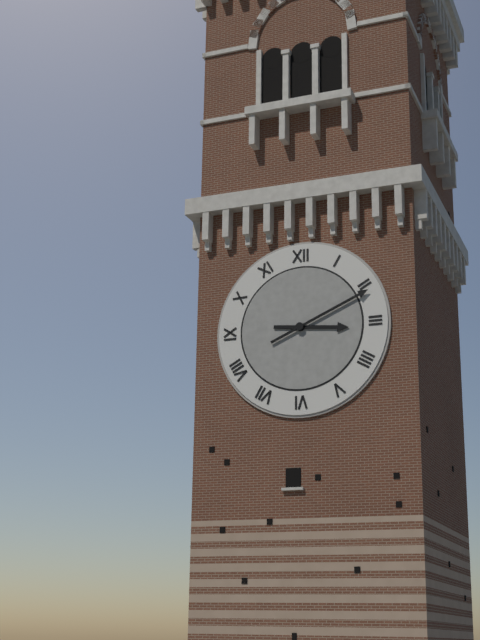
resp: 3,11
